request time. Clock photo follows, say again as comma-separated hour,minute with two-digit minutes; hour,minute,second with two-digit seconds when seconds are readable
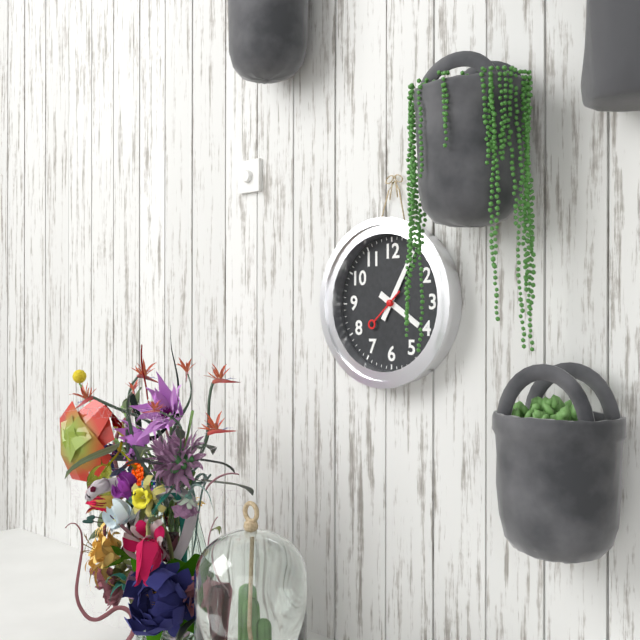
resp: 4,05
